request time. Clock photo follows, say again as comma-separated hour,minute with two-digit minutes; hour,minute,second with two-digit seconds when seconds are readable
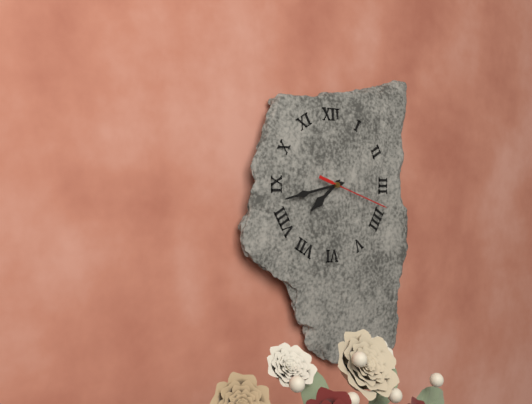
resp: 7,43,18
